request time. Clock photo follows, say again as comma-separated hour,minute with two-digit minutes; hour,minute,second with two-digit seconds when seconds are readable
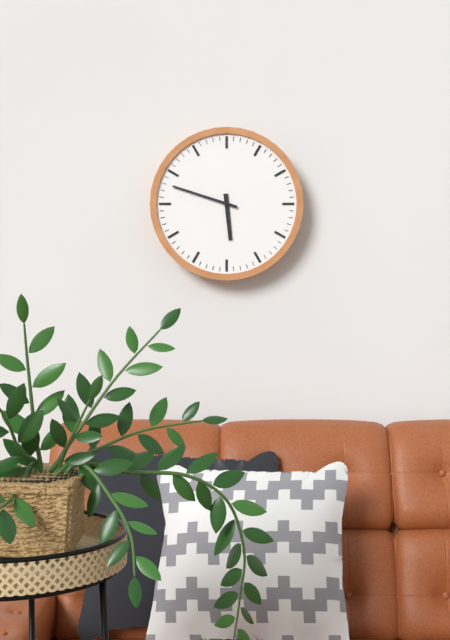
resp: 5,48
